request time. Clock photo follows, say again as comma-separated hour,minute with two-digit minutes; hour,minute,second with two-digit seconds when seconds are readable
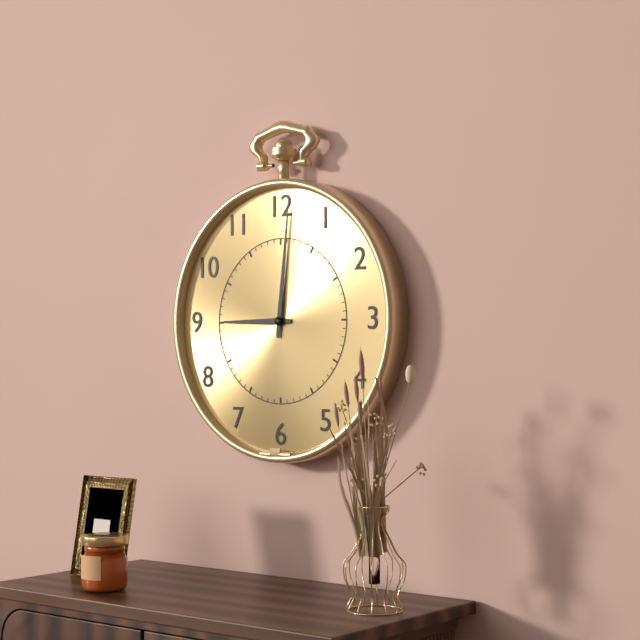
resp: 9,01
